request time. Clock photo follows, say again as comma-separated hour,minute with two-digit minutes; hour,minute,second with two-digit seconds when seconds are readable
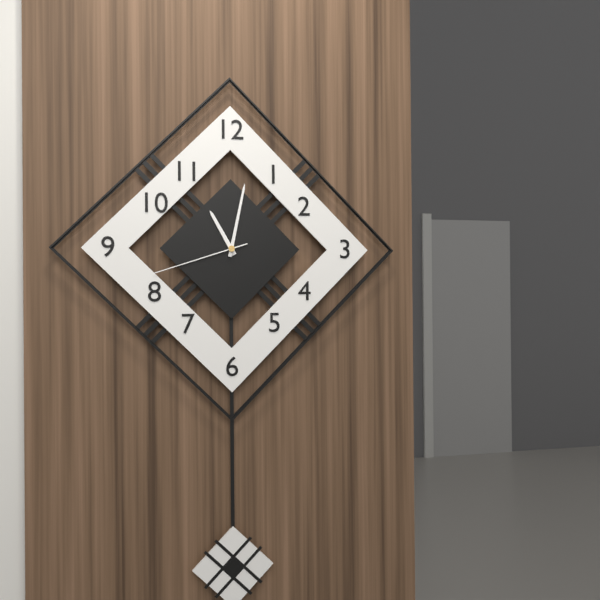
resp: 11,02,42
